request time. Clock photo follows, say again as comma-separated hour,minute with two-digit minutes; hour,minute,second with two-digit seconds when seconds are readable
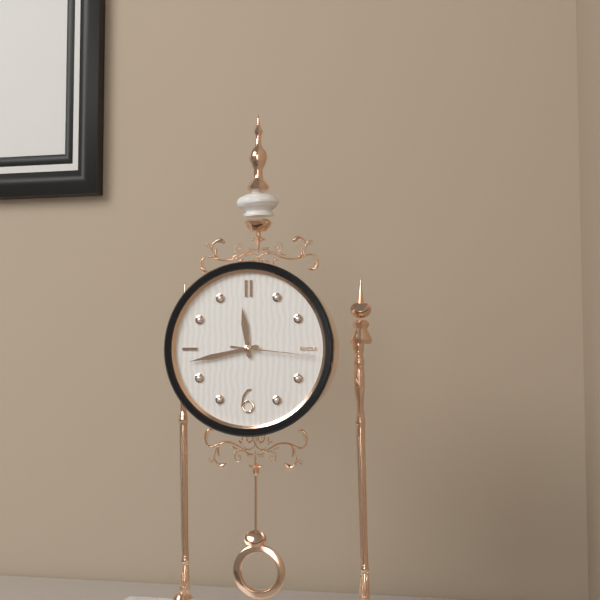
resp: 11,43,16
